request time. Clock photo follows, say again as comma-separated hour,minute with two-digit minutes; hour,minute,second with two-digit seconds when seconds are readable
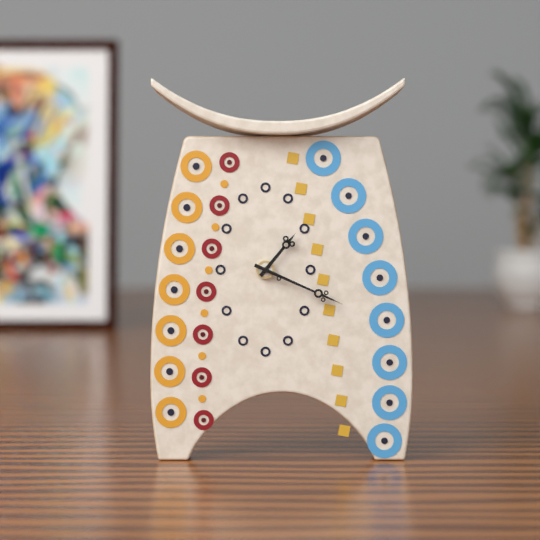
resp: 1,19
